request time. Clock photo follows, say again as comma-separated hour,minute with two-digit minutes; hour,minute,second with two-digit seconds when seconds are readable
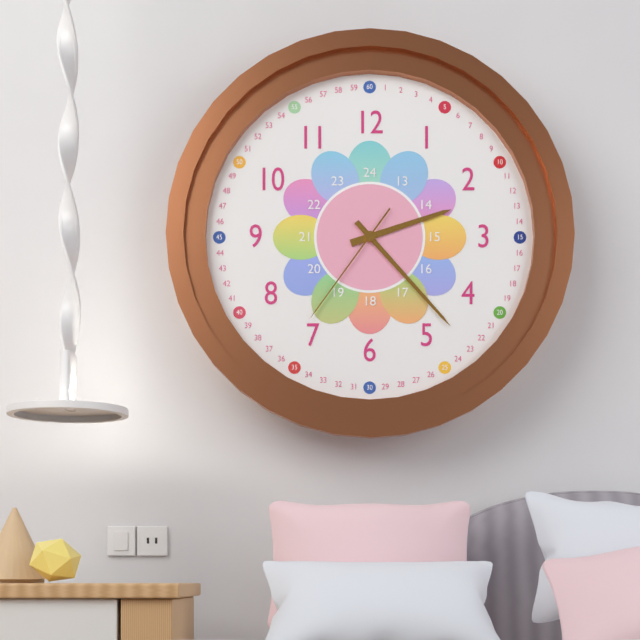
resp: 2,23,36
